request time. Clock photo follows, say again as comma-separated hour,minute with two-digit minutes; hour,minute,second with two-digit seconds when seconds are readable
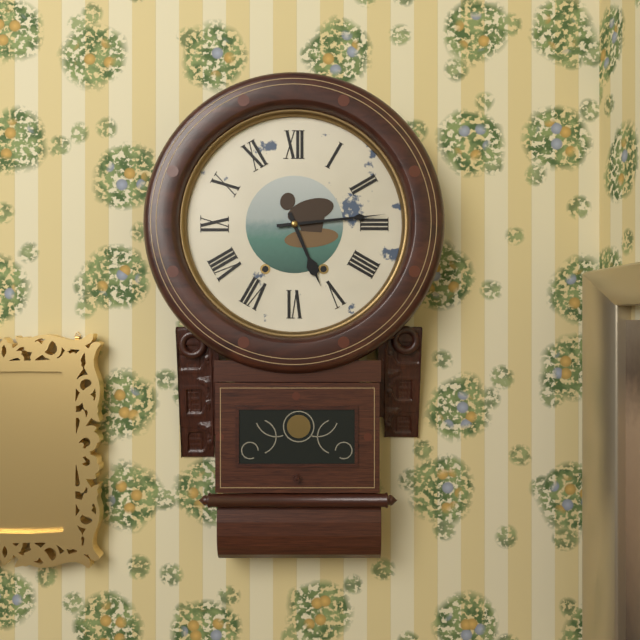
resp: 5,14
